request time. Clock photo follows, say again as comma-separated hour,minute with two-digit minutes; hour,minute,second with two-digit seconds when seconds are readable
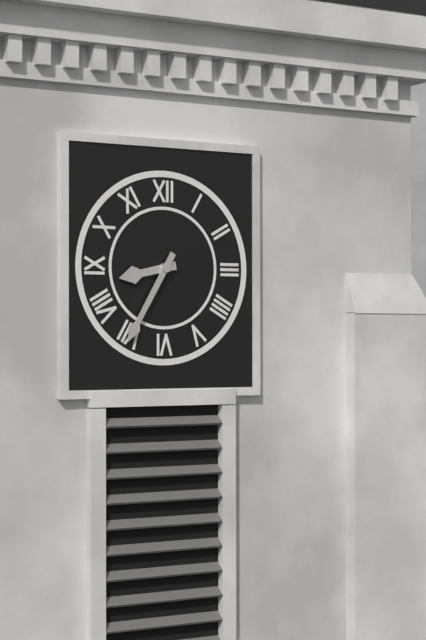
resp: 8,35
